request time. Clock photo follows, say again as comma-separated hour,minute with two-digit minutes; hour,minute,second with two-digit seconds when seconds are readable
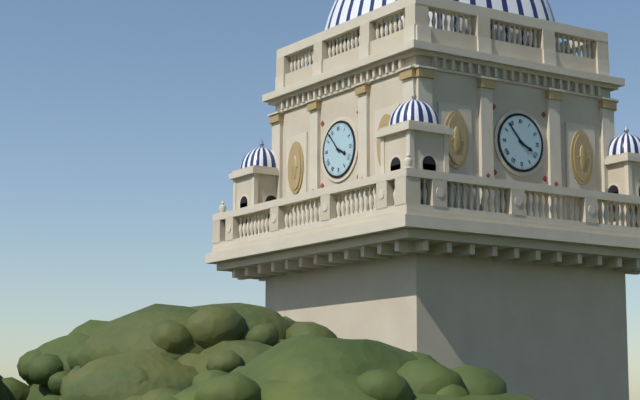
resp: 3,53
